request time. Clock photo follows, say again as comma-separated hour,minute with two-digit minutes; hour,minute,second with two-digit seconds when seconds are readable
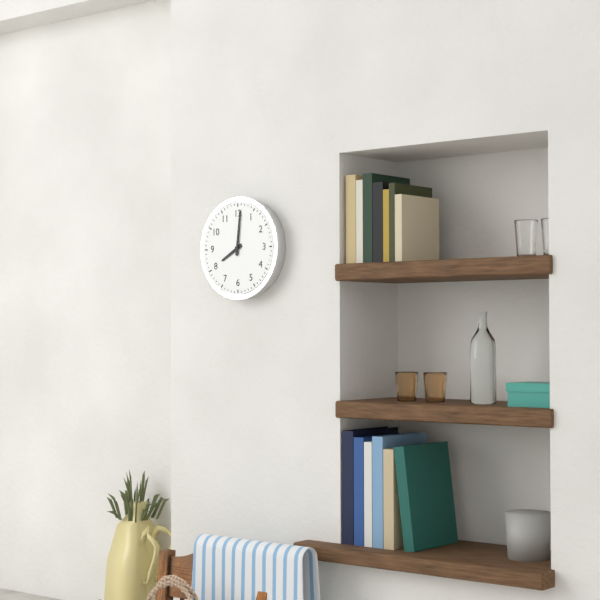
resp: 8,01
